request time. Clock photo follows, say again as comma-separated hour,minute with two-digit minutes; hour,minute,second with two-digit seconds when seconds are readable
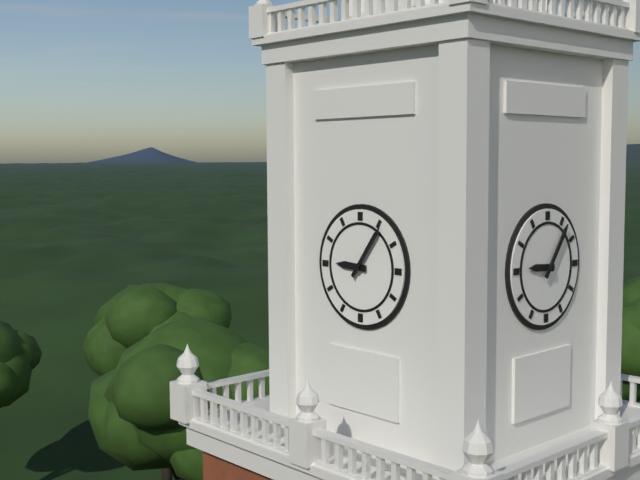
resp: 9,06
